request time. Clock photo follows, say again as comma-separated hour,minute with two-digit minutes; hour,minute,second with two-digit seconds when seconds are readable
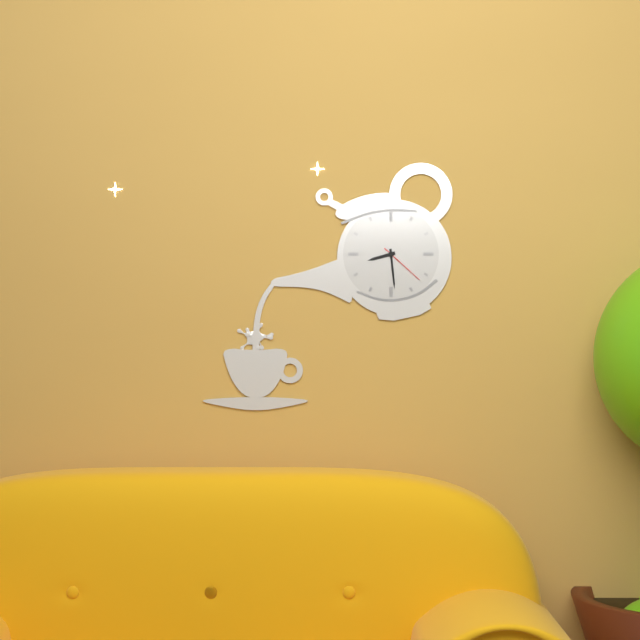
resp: 8,29
